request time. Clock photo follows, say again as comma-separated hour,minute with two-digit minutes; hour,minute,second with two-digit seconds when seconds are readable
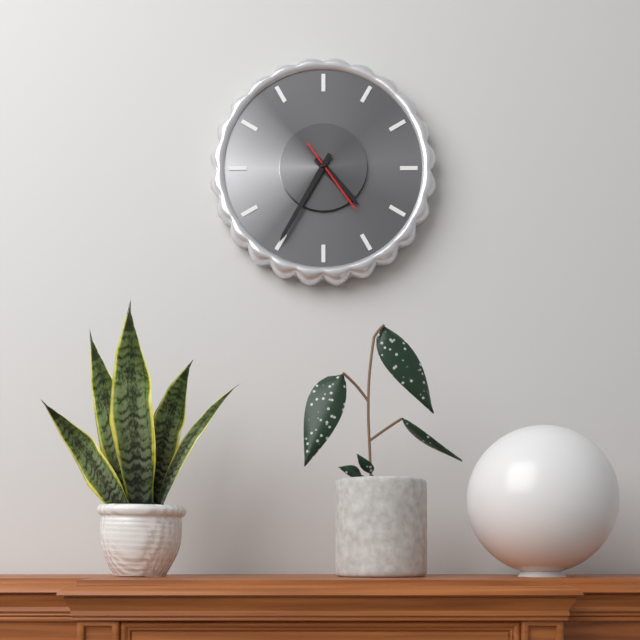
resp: 4,35,24
